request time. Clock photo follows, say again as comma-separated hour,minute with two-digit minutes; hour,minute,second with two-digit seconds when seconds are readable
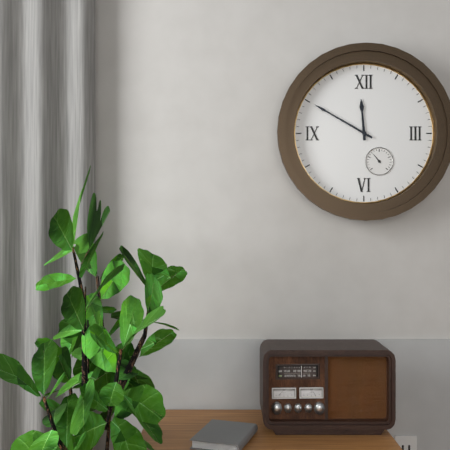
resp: 11,50
